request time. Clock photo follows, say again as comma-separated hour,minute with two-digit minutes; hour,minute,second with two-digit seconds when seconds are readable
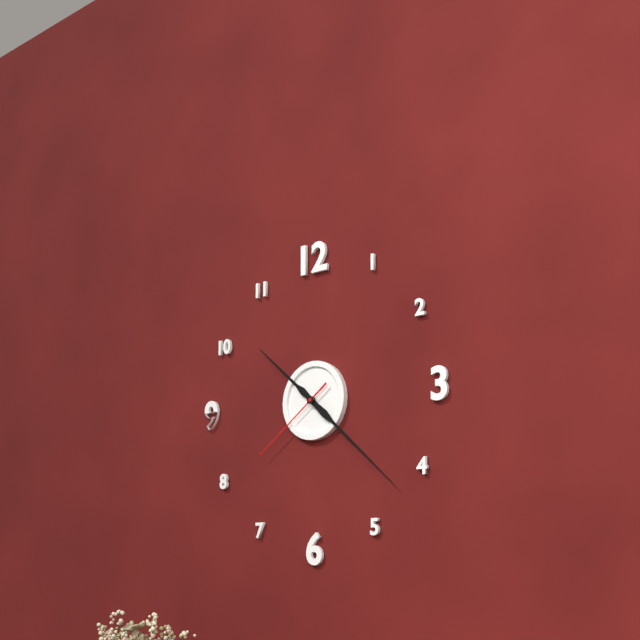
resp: 10,22,39
